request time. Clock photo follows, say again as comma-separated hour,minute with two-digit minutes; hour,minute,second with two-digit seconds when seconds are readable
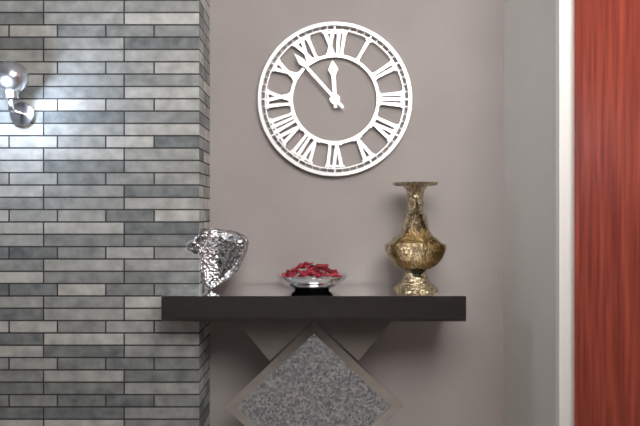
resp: 11,53
